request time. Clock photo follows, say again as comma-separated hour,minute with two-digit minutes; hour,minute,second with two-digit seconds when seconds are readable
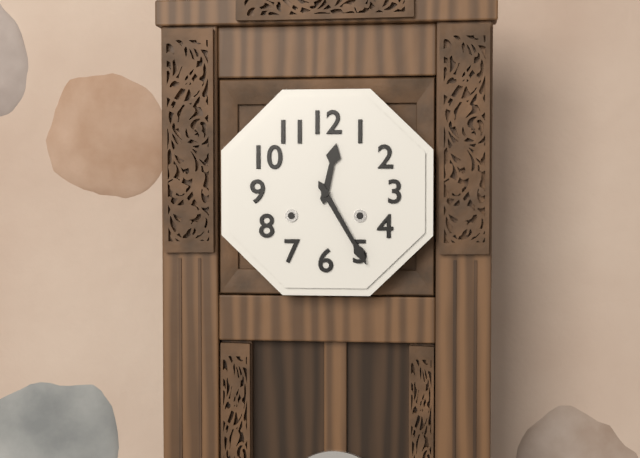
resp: 12,25
